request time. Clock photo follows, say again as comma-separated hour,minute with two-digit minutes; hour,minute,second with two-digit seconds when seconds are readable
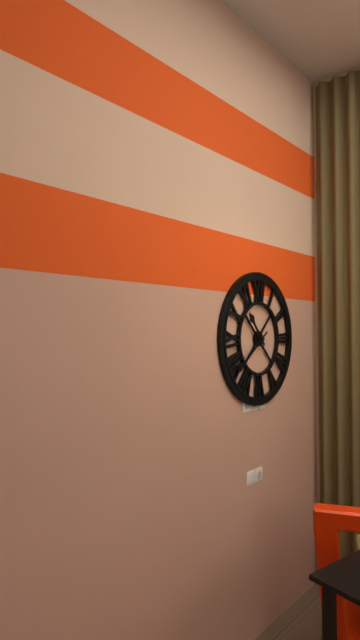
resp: 10,39
